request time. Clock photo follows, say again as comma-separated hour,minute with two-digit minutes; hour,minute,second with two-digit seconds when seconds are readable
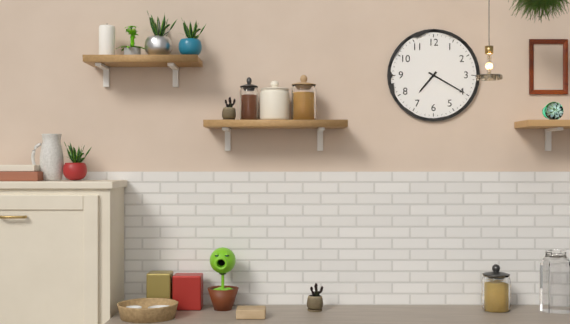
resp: 7,20
